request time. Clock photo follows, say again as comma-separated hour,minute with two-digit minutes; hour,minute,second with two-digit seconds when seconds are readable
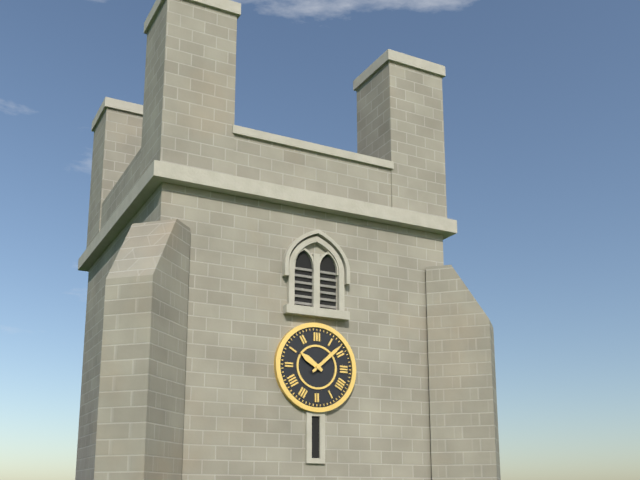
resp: 10,08
